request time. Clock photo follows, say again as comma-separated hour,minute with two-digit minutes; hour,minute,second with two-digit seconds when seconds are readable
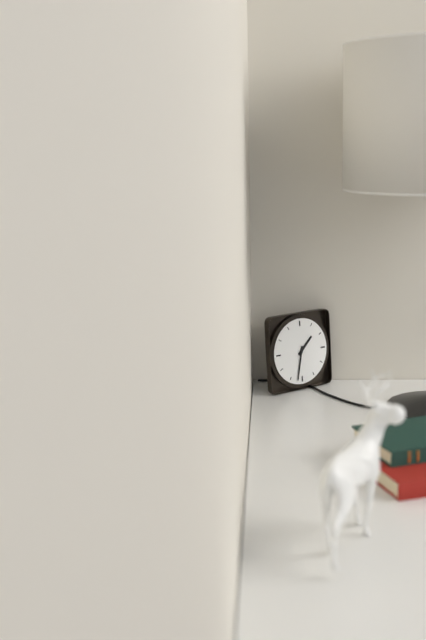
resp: 1,32
